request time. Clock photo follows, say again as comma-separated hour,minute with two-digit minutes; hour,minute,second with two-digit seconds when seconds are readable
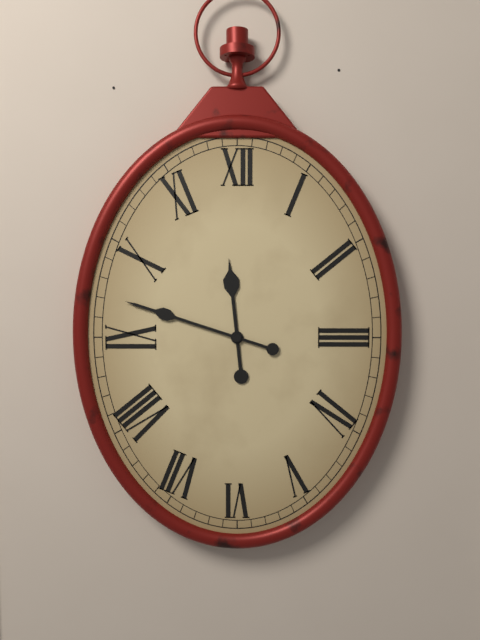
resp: 11,48
